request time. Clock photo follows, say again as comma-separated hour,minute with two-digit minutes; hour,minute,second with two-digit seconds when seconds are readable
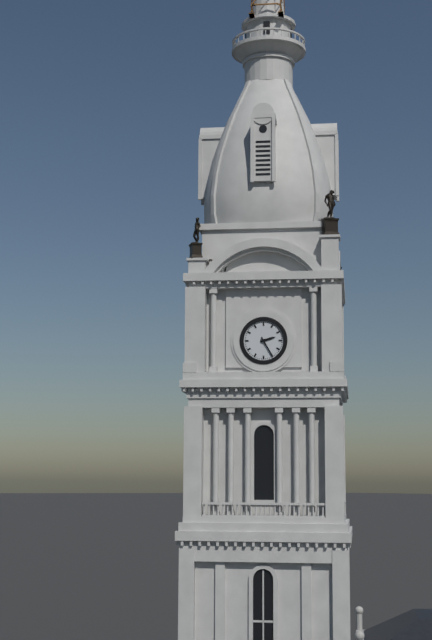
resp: 2,25
